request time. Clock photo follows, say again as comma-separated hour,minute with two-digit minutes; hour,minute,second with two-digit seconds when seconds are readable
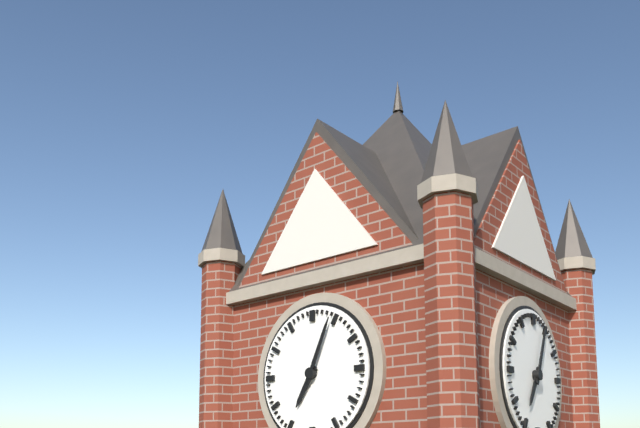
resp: 7,04
